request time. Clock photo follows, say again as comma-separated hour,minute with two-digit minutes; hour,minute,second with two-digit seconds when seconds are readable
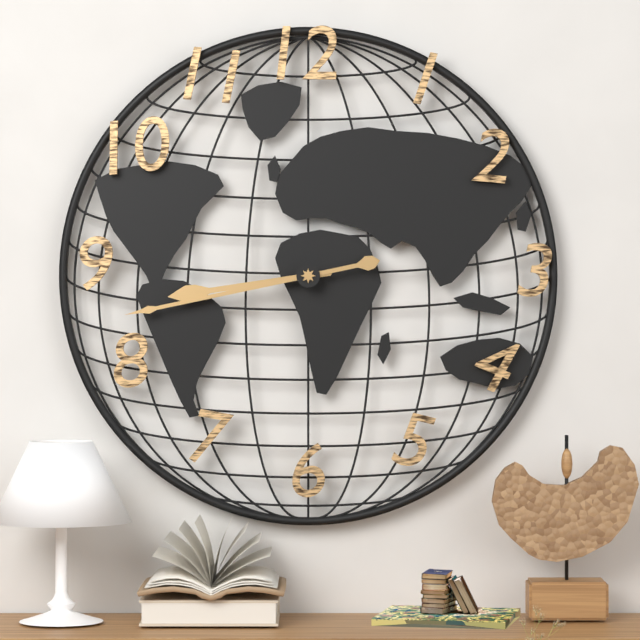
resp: 8,43
